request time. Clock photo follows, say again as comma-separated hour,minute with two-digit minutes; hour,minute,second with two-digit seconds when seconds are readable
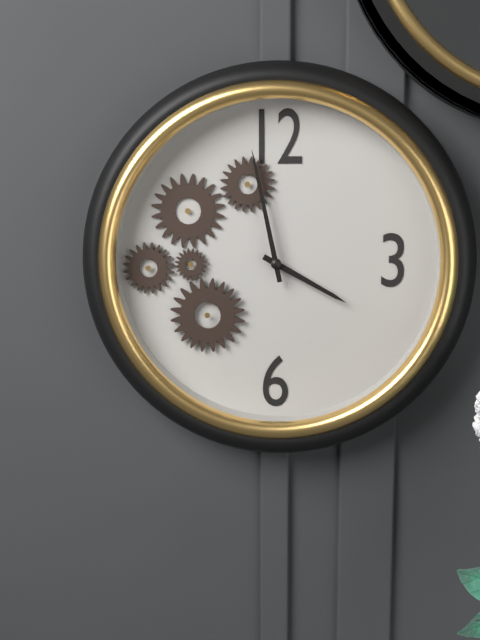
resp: 3,58
